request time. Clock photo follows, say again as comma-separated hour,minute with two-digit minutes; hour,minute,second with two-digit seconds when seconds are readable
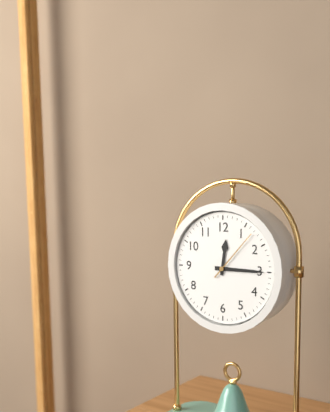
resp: 12,15,07
